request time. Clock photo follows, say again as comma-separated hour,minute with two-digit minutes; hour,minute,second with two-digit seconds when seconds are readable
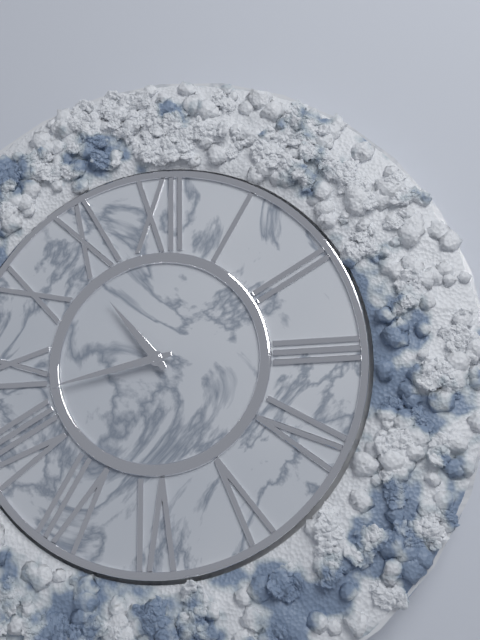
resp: 10,43
